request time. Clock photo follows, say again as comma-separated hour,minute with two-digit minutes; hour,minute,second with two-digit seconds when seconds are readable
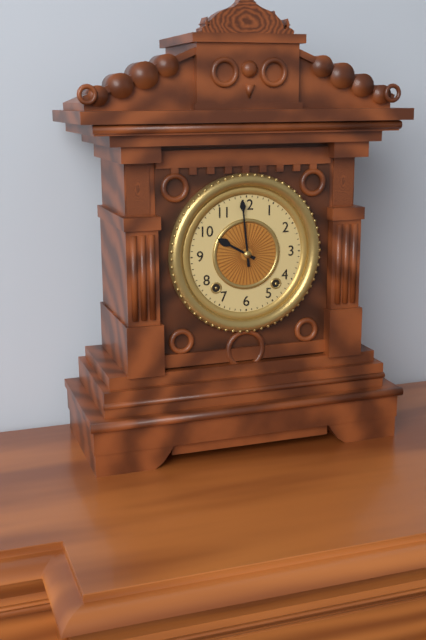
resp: 9,59
